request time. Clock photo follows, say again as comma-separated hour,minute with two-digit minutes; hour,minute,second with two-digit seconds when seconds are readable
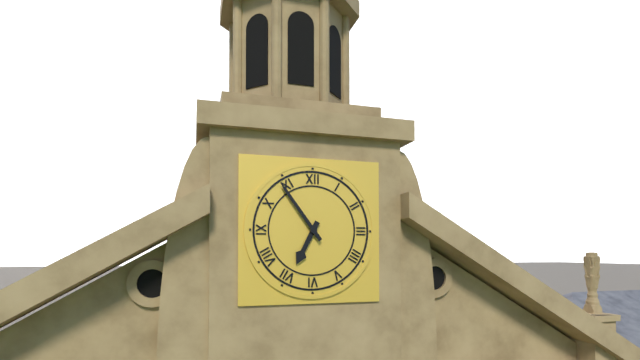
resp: 6,54
